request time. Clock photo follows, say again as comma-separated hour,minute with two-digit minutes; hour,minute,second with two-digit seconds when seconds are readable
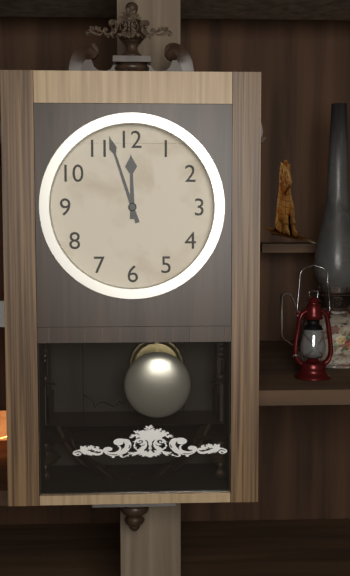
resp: 11,57
